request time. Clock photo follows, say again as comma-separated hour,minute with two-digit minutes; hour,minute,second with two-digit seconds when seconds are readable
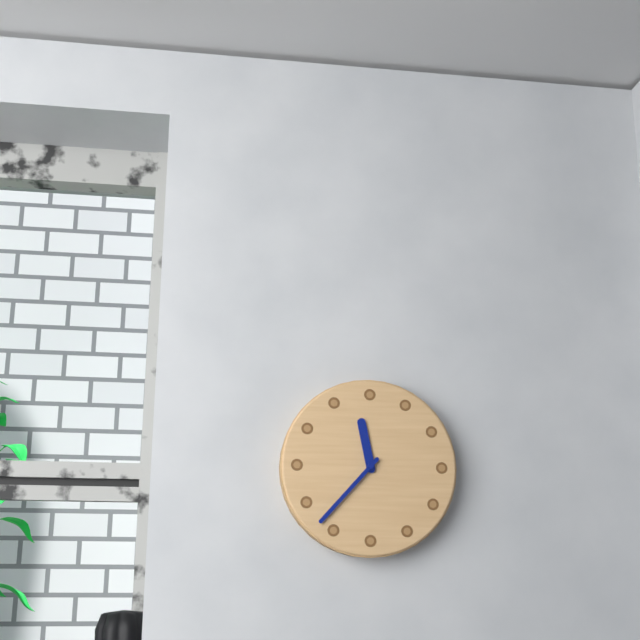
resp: 11,37
